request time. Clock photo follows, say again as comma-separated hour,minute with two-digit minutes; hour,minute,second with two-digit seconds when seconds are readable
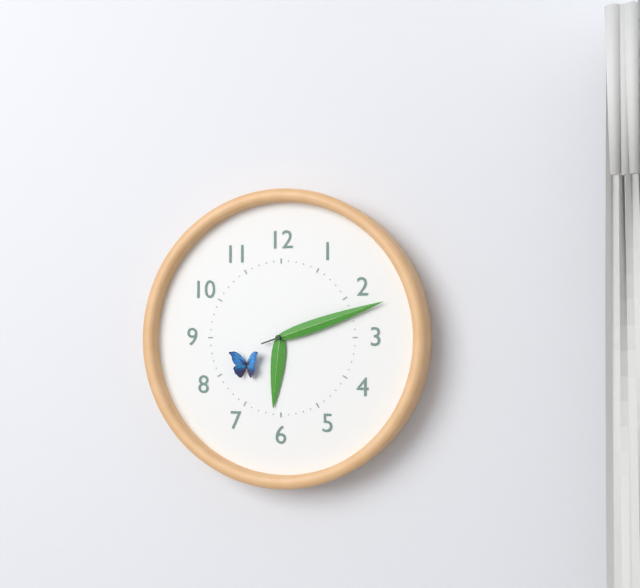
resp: 6,12
